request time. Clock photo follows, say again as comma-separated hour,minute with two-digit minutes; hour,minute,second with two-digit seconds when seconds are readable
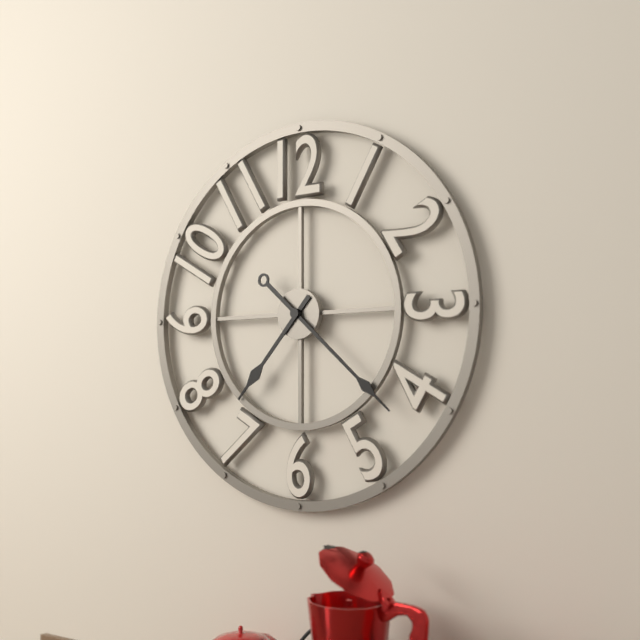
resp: 7,22
